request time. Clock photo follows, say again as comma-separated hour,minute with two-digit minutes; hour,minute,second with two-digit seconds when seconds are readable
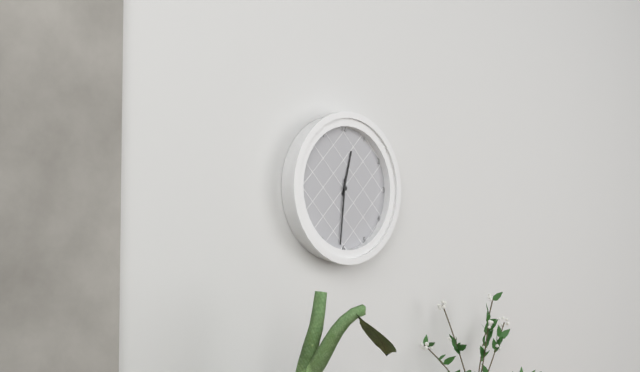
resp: 12,31
